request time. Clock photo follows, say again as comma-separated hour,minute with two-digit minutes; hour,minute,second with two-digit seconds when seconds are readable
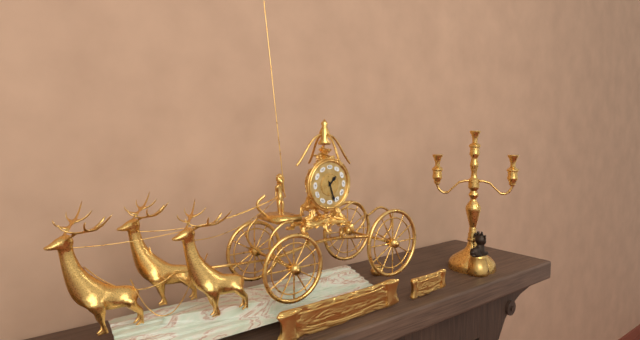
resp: 1,27
